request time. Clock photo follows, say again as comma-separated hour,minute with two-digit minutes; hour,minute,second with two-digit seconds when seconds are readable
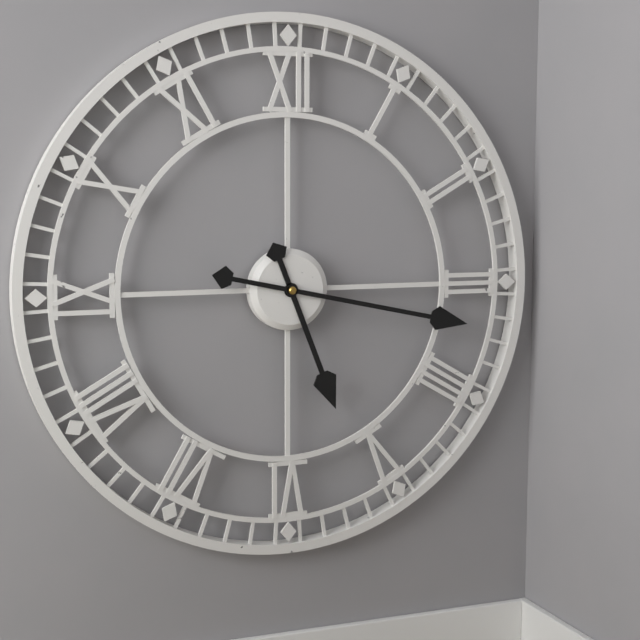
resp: 5,17
